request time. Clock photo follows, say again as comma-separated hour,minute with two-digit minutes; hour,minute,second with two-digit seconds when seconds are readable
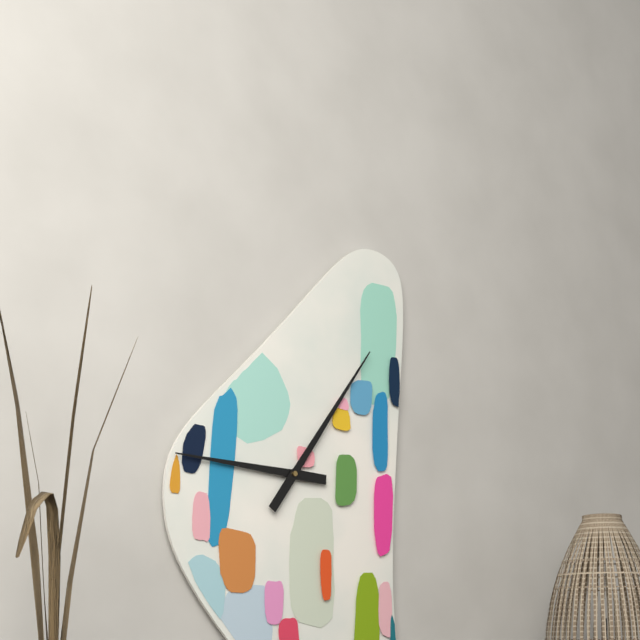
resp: 9,06
